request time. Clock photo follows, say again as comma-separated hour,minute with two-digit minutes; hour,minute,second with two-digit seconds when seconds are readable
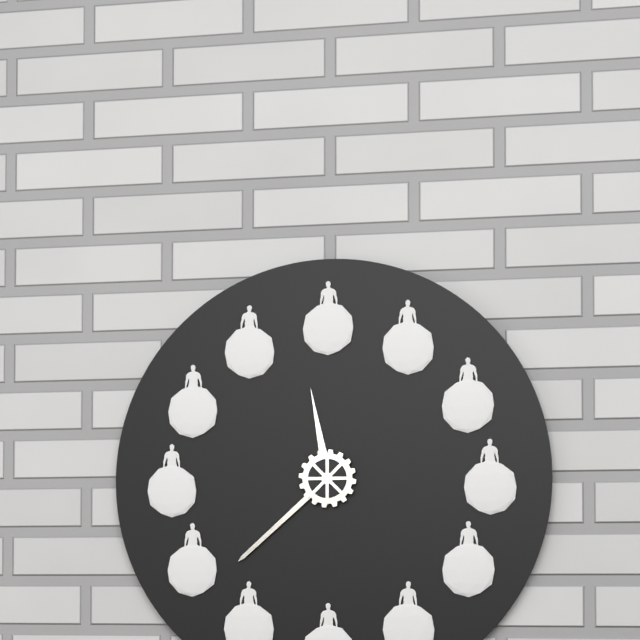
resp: 11,38
